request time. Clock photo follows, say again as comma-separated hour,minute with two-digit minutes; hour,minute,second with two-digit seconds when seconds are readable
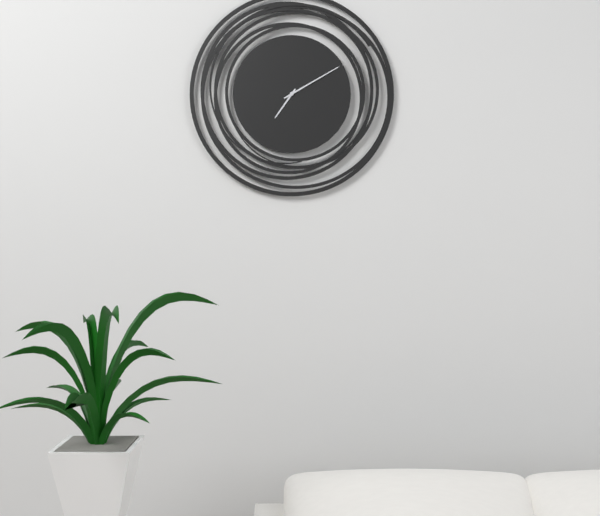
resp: 7,10
